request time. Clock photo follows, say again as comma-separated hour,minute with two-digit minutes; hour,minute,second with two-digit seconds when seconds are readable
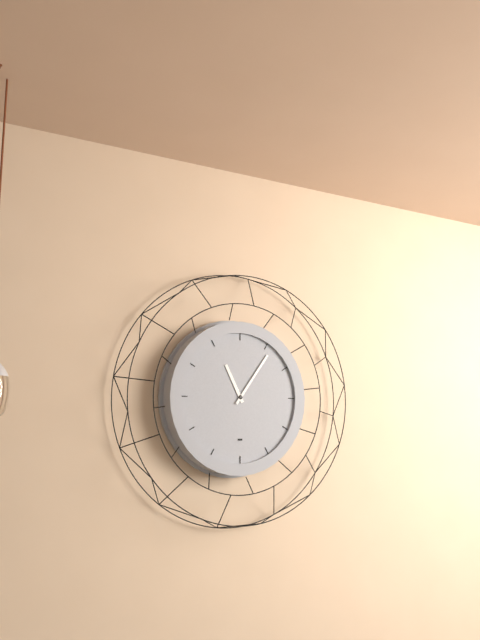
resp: 11,06
